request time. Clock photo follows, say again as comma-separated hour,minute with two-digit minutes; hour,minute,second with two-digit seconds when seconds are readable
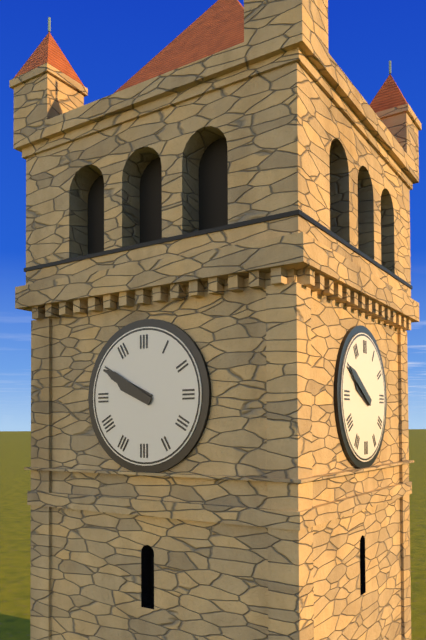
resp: 9,50
